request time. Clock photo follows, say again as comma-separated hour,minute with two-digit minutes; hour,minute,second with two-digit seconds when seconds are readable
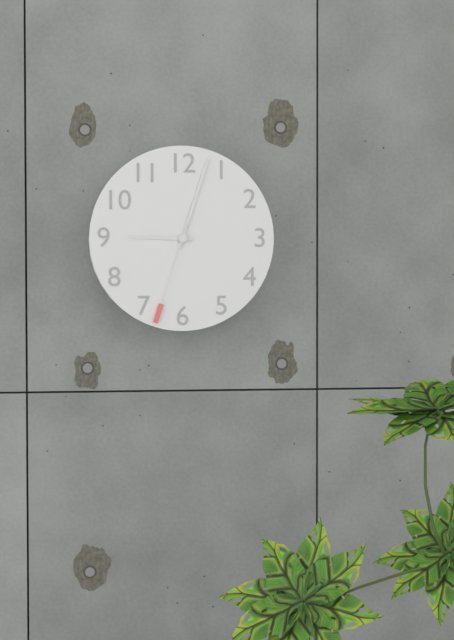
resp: 9,03,33
